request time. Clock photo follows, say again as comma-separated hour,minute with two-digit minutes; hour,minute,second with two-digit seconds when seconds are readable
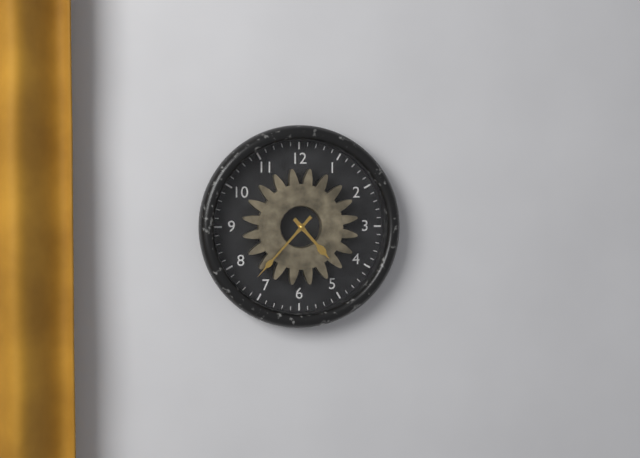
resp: 4,37
